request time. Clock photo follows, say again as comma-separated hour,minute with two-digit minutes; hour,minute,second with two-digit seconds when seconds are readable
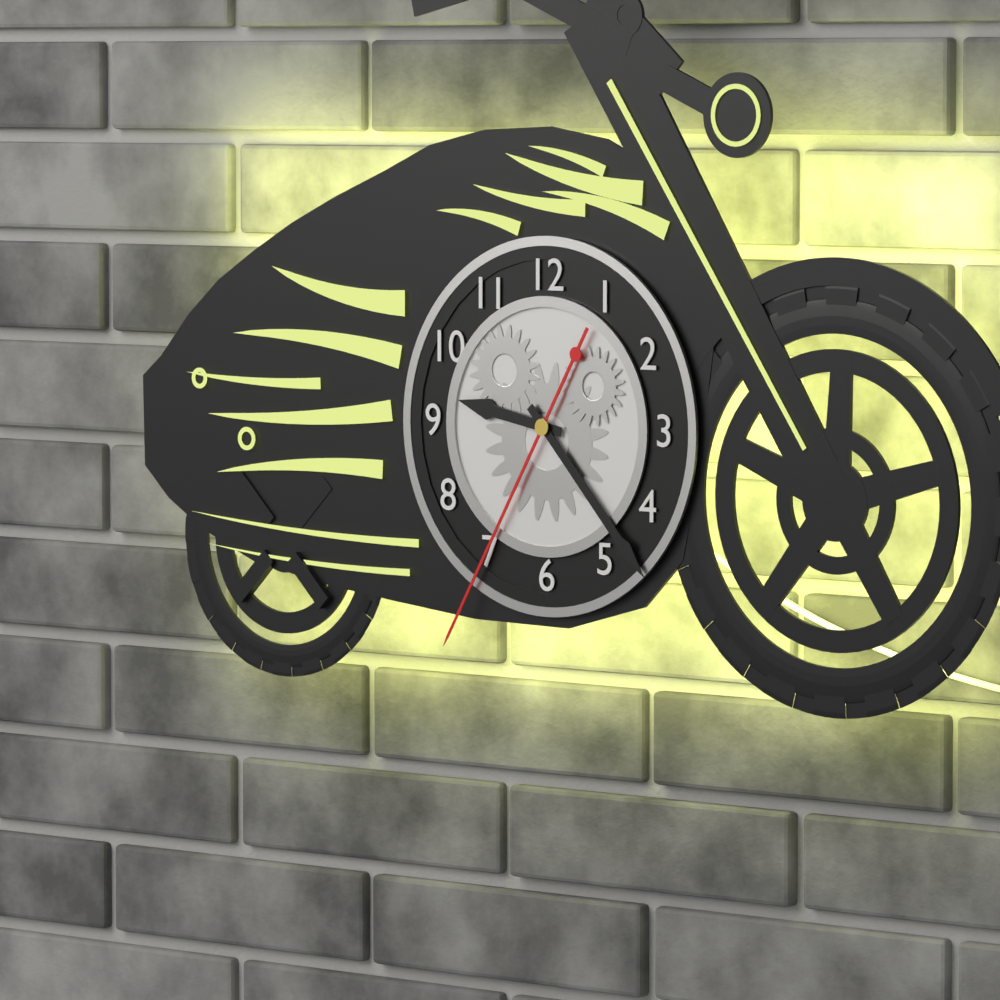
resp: 9,23,35
